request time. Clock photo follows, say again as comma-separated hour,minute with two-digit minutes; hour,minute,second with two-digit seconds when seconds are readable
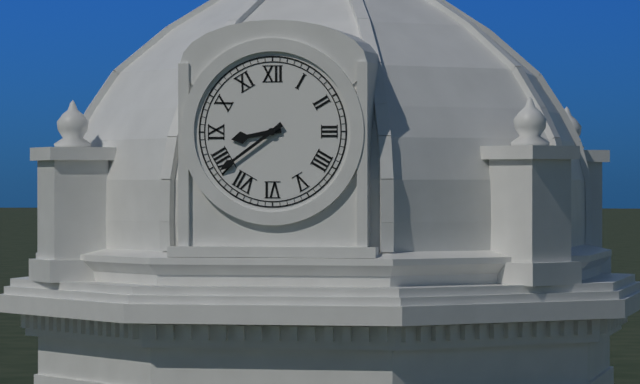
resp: 8,39
